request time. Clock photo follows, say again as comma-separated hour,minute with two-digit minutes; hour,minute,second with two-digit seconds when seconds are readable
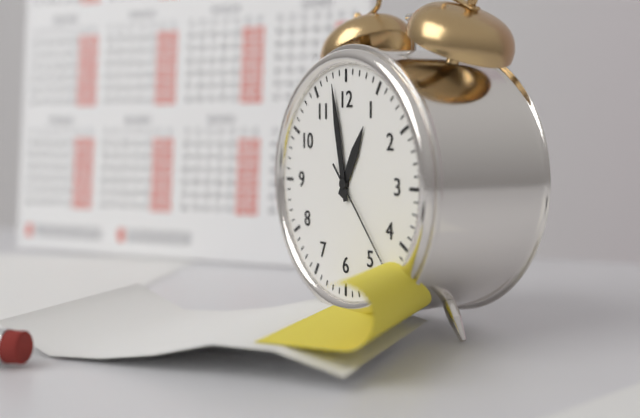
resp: 12,58,23
